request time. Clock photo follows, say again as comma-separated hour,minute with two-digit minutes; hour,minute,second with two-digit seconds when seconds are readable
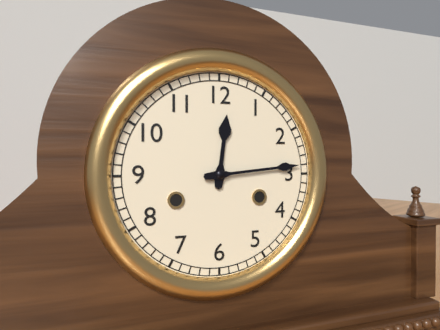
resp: 12,14
